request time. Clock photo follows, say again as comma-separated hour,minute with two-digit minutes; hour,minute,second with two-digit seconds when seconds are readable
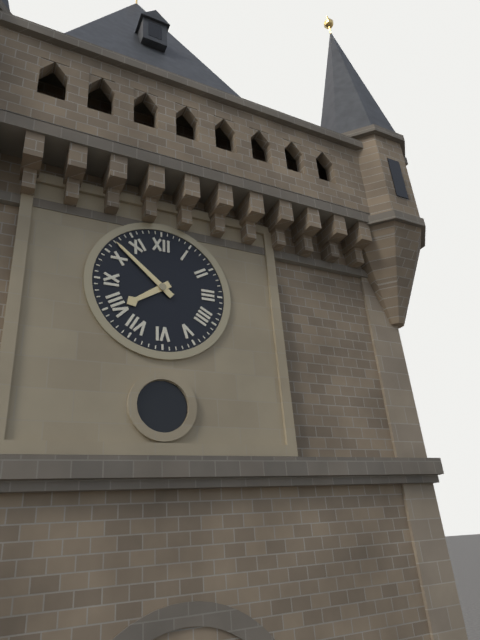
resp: 7,52
